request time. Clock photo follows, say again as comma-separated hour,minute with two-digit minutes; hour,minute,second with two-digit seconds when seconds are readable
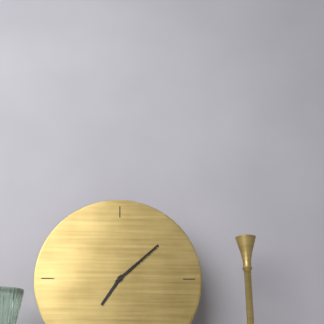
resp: 7,08
